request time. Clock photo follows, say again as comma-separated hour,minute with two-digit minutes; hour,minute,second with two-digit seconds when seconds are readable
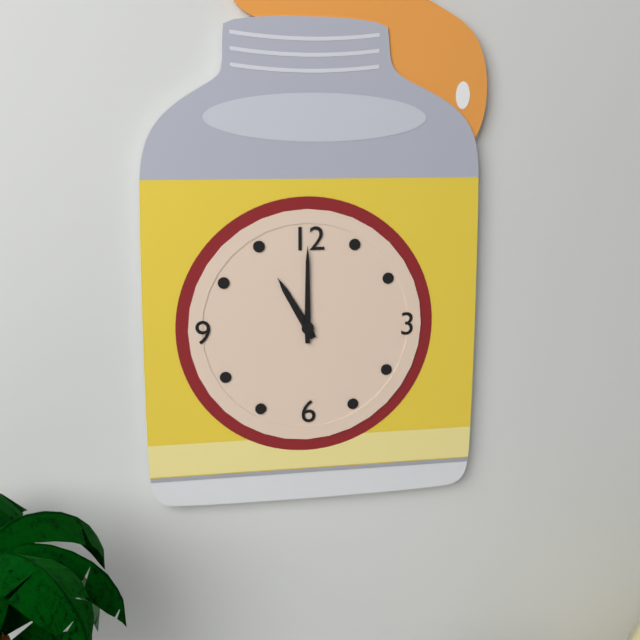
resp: 11,00
